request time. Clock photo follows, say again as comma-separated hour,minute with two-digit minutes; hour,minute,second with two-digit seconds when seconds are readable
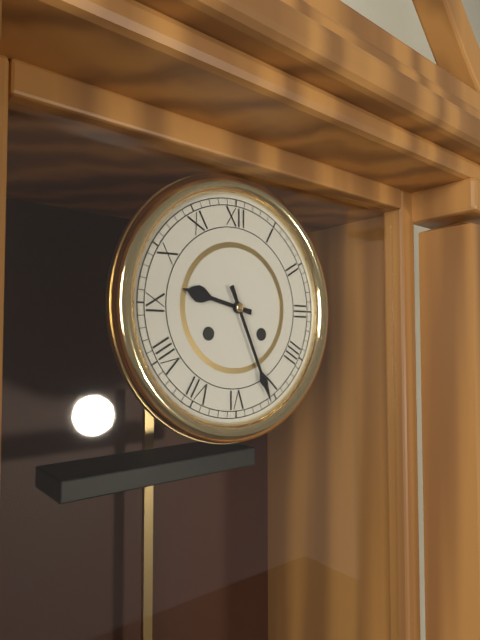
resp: 9,26
